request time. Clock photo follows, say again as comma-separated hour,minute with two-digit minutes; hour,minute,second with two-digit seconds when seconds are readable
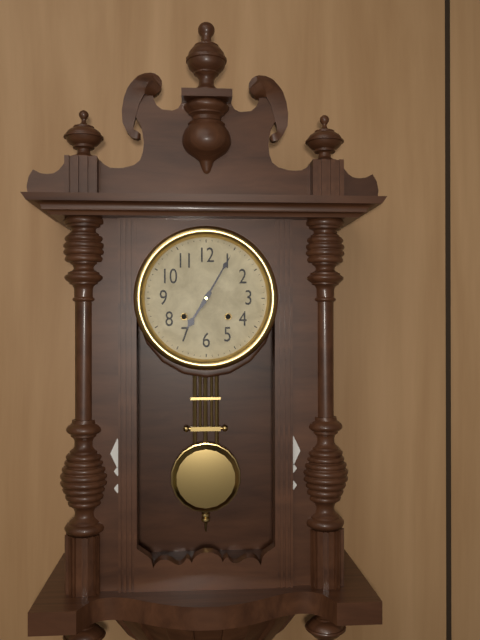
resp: 7,05
